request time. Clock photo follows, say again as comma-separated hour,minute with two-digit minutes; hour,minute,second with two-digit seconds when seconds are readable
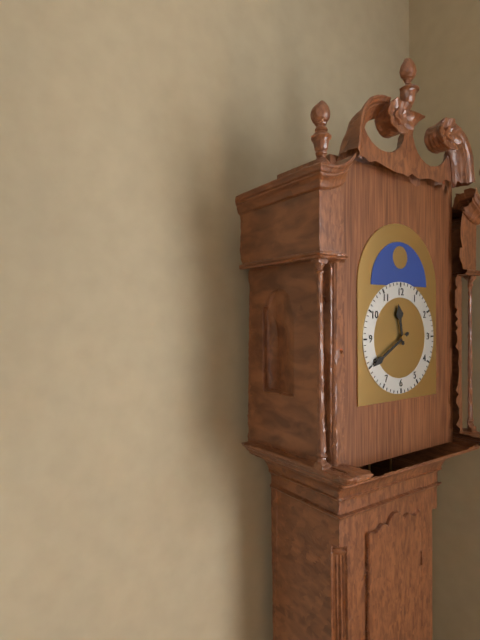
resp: 11,40
